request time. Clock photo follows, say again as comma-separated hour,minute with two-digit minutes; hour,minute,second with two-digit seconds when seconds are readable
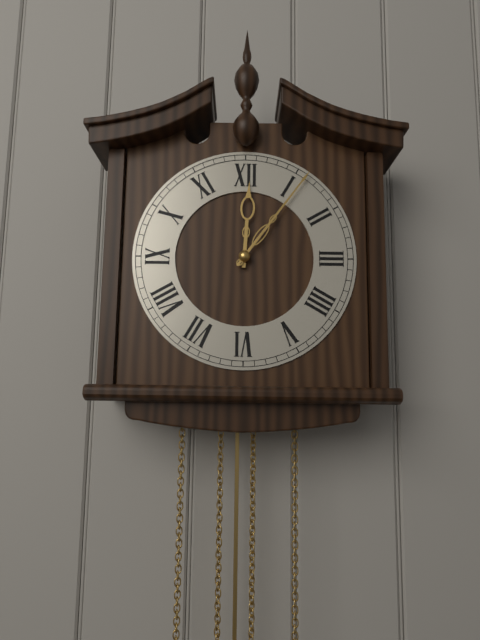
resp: 12,06
